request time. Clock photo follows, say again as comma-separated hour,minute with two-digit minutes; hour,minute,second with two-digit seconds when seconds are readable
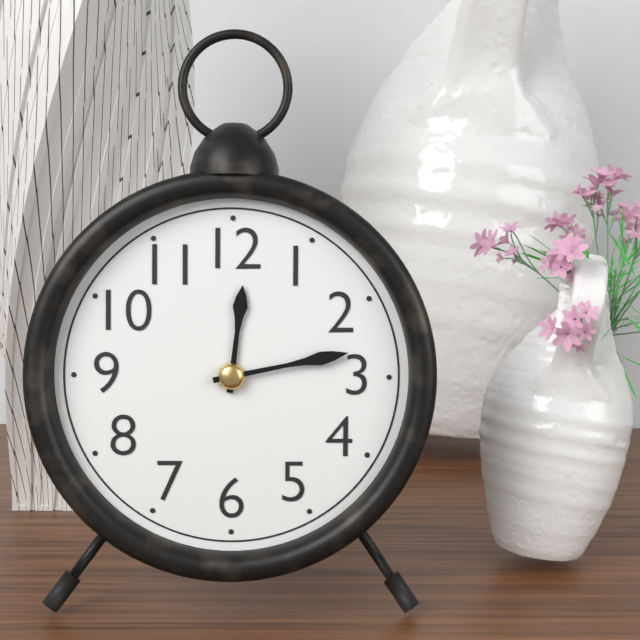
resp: 12,13
